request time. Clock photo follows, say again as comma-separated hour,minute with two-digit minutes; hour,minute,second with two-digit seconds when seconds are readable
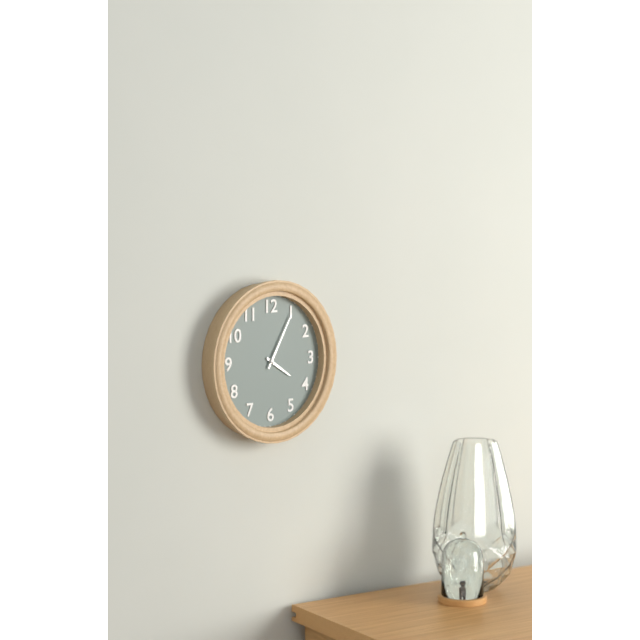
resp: 4,05
